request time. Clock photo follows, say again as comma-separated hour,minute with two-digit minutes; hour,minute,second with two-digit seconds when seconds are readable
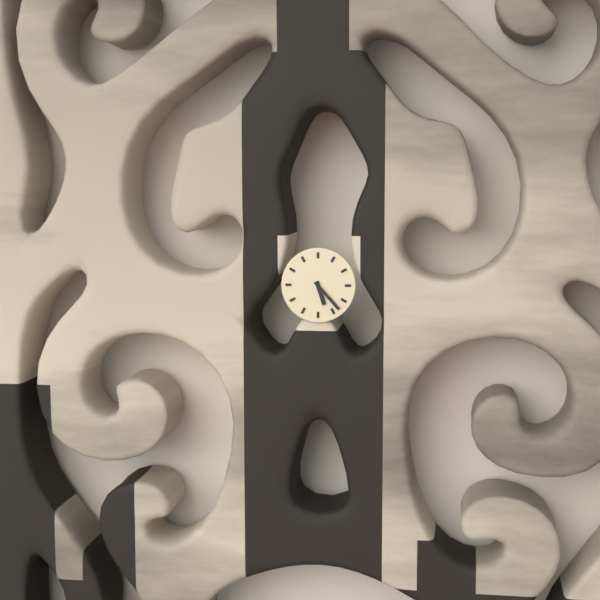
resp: 5,23
